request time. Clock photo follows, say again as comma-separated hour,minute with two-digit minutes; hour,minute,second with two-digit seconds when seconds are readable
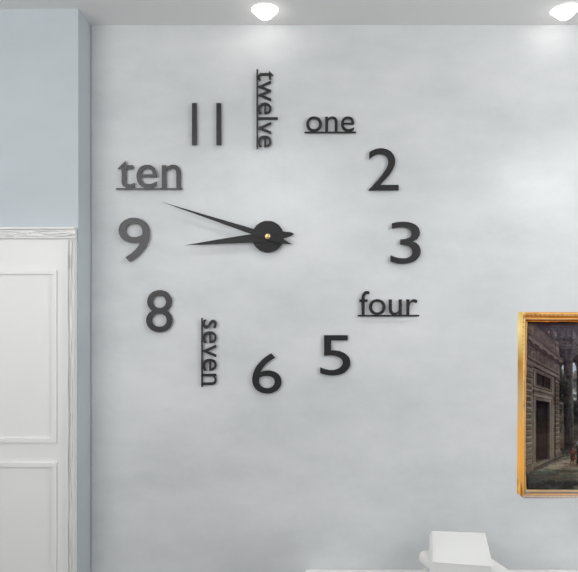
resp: 8,48
